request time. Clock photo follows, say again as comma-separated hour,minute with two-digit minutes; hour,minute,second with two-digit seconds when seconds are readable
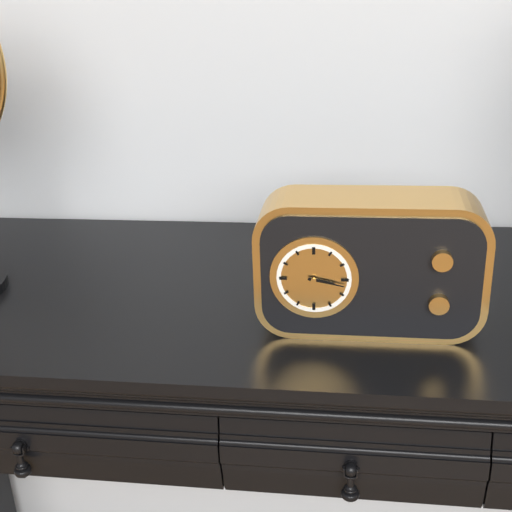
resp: 3,17
